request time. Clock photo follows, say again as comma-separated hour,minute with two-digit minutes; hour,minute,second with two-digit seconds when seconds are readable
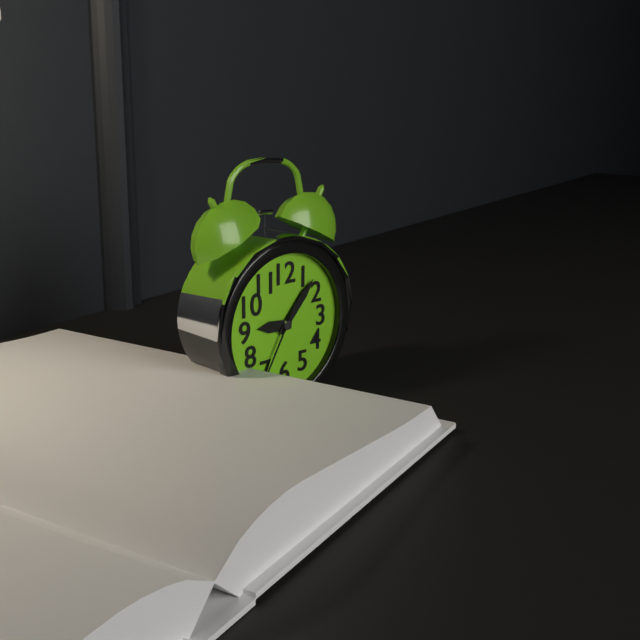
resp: 9,07,35
